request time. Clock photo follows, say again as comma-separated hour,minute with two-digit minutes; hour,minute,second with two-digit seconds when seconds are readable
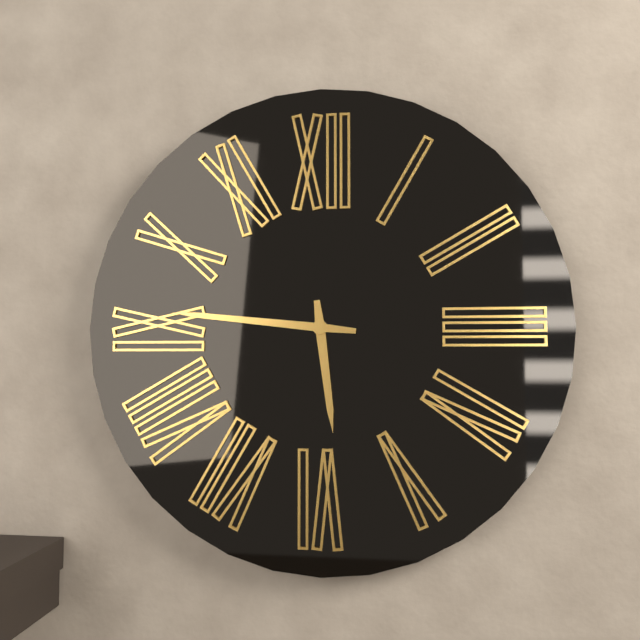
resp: 5,46
